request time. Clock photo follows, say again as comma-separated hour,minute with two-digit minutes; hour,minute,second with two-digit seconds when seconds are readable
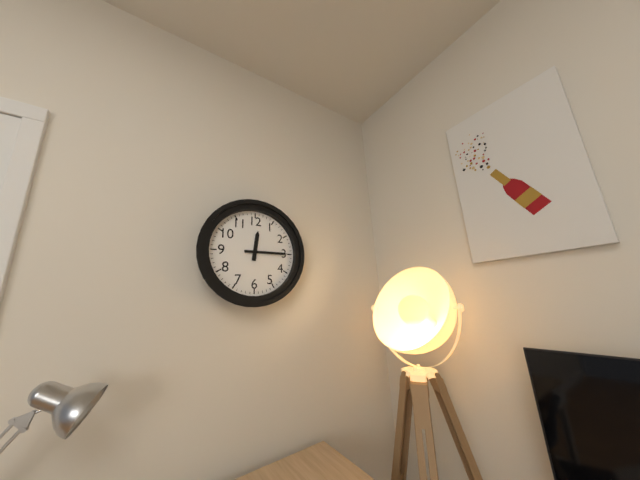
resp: 12,15
